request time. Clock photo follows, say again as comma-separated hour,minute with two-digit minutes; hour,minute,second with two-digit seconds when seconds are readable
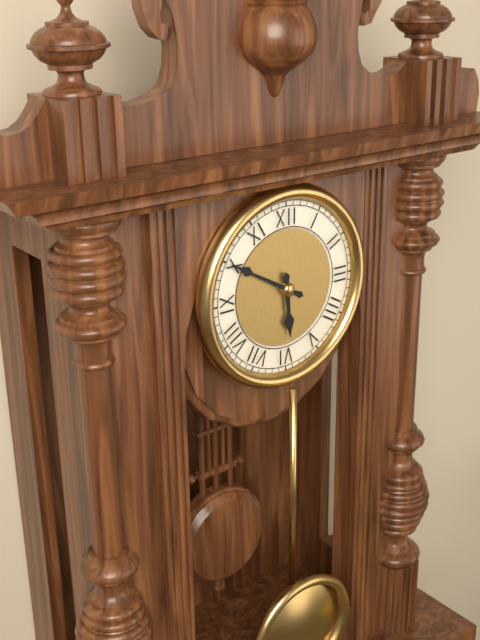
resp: 5,50
